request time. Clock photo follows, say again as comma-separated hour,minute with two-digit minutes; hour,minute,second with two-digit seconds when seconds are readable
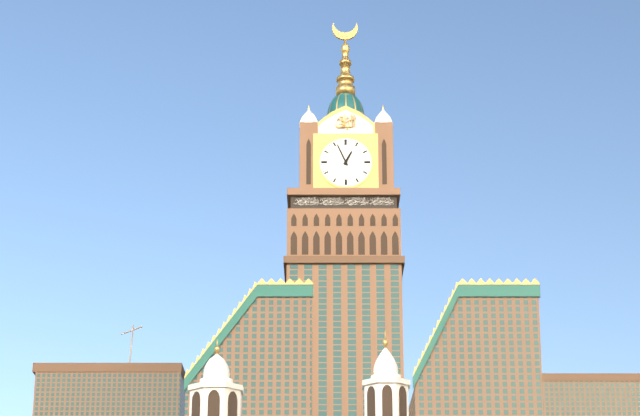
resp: 12,56
